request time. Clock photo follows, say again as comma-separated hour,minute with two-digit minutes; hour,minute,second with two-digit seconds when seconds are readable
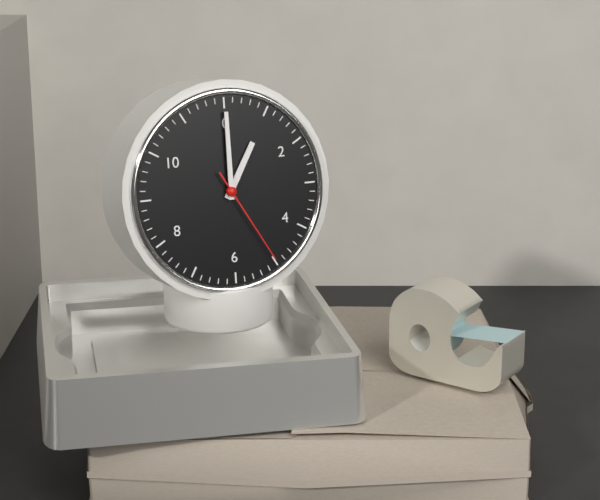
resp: 1,00,25
